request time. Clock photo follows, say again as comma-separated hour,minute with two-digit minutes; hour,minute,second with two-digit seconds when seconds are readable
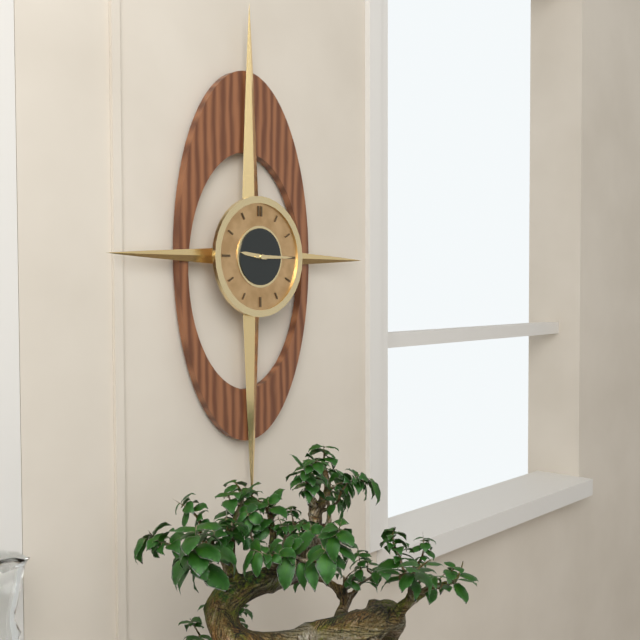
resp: 9,15
